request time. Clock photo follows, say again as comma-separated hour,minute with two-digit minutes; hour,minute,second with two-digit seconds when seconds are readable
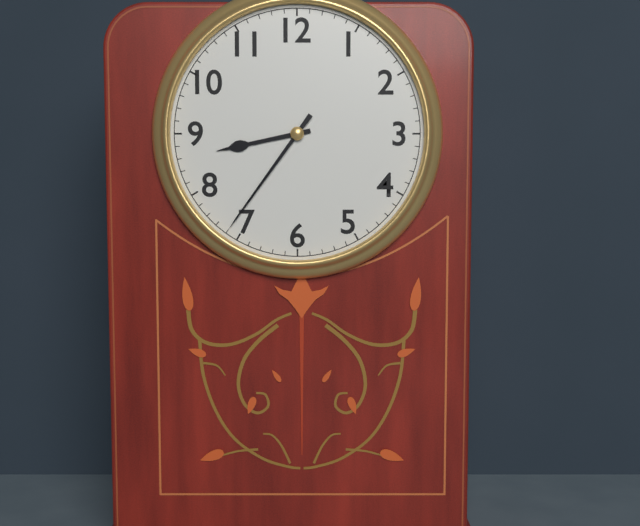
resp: 8,36
